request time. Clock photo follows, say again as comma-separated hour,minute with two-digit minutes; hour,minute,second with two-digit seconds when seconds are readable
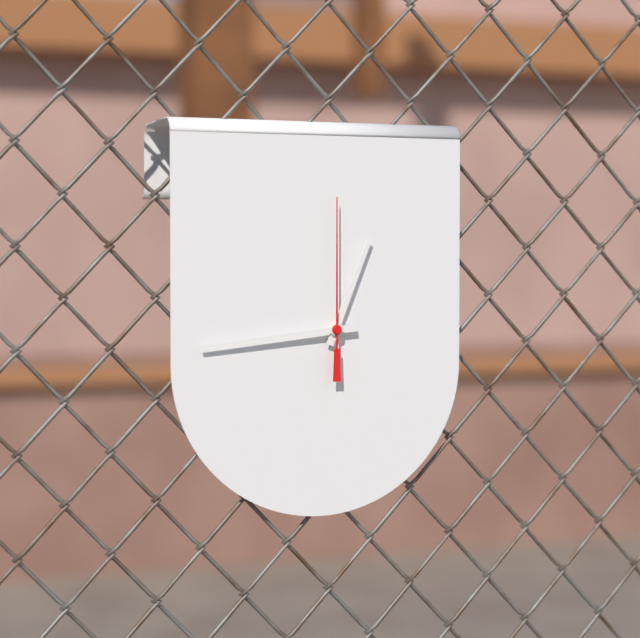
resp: 12,44,00
